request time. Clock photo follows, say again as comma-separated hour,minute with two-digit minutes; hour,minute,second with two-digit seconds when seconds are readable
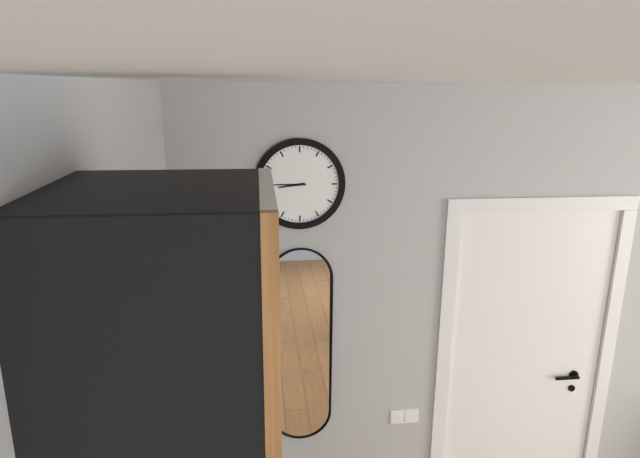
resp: 8,45
